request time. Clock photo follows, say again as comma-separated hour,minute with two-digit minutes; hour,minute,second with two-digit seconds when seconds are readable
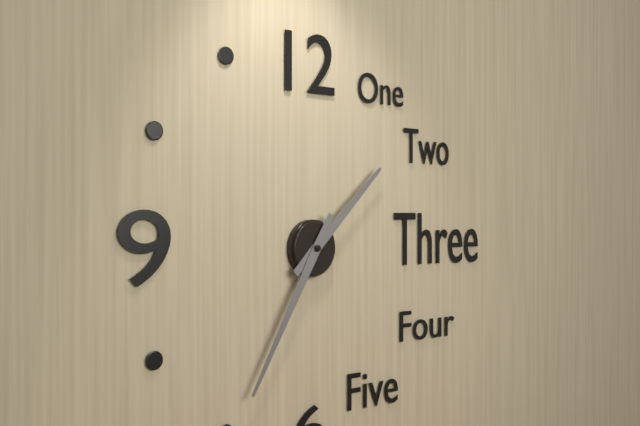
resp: 1,35
